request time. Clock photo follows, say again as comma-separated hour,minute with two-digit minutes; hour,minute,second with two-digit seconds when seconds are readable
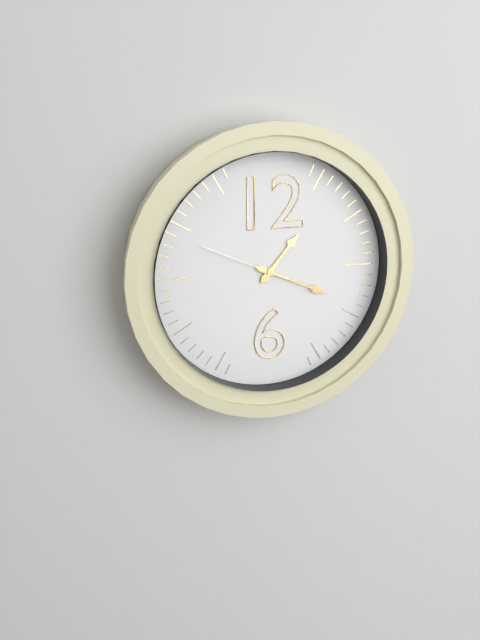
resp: 1,19,49
